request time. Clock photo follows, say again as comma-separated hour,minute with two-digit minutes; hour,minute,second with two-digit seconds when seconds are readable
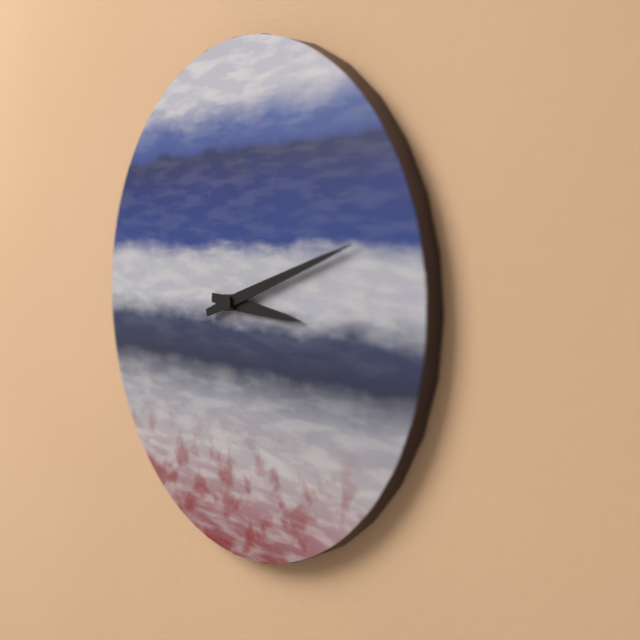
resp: 3,12
